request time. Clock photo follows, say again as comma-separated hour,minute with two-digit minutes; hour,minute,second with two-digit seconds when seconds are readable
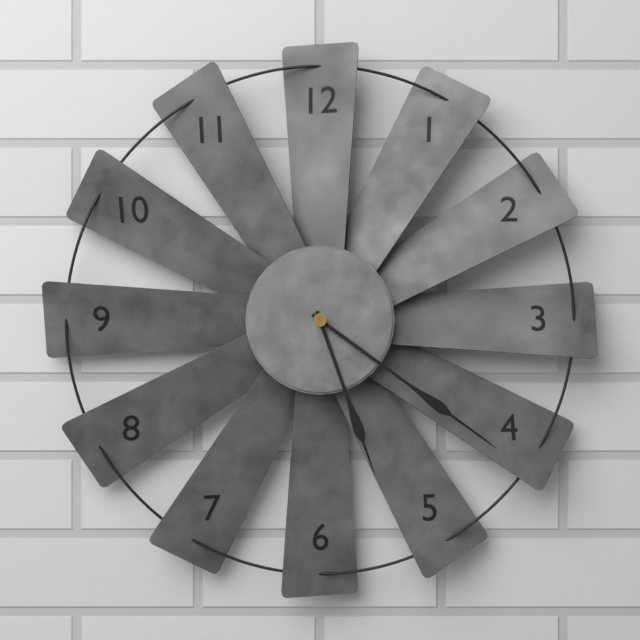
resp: 5,21
